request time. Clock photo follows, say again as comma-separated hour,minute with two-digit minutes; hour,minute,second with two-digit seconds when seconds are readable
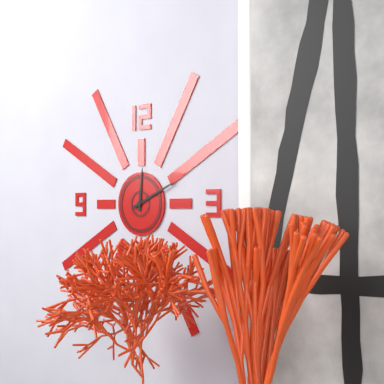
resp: 12,11
